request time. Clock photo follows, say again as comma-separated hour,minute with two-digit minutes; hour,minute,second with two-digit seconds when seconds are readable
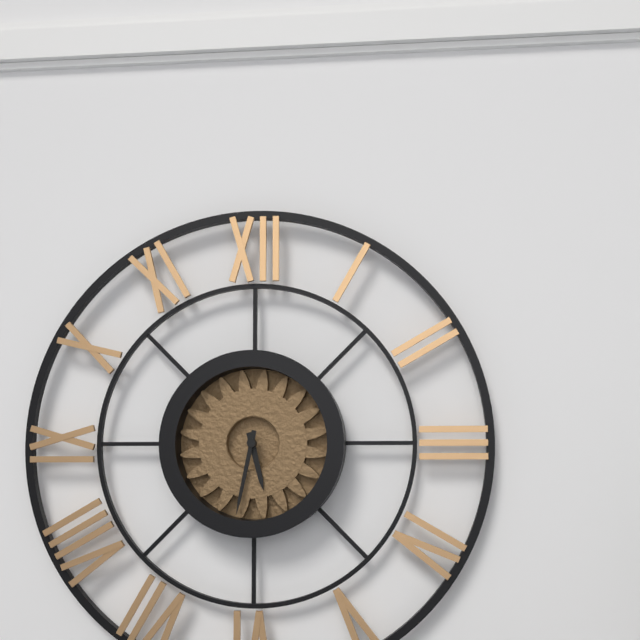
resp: 5,32
